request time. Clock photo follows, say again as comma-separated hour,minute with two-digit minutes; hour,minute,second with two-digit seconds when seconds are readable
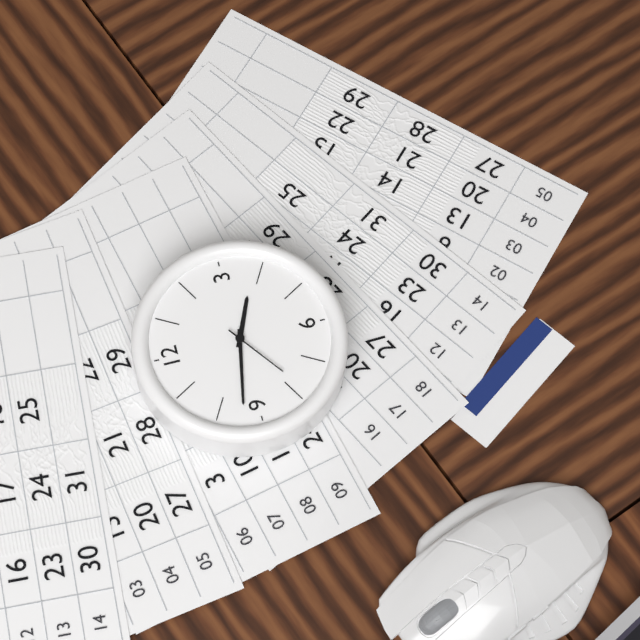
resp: 3,47,39
